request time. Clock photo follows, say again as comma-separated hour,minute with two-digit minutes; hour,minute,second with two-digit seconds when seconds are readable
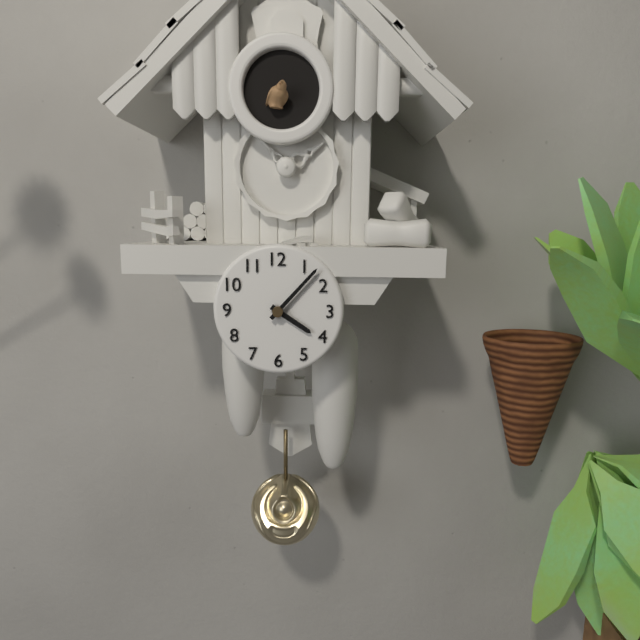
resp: 4,07
